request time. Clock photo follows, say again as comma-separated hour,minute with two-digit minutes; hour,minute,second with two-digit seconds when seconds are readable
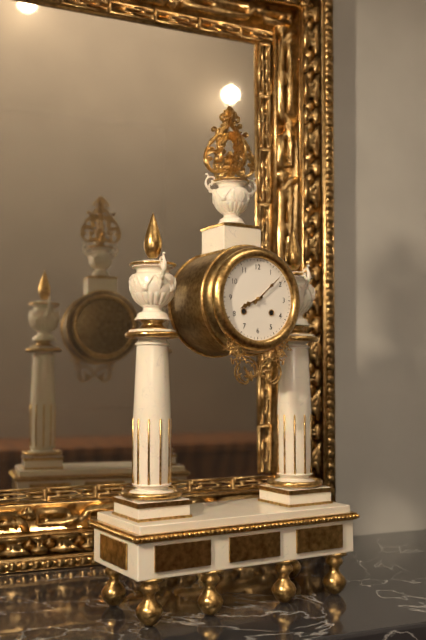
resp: 8,08
